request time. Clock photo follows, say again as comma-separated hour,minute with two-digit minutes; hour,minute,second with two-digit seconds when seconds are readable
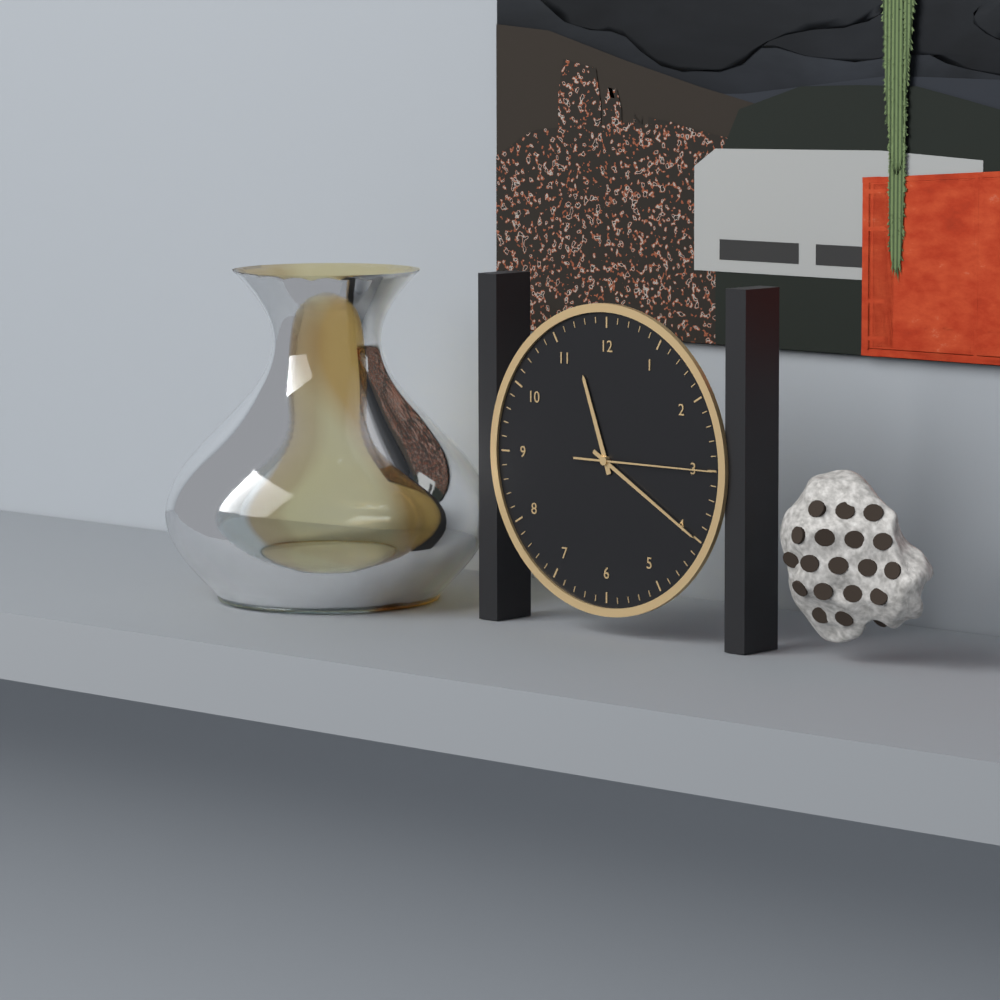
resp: 11,20,15
